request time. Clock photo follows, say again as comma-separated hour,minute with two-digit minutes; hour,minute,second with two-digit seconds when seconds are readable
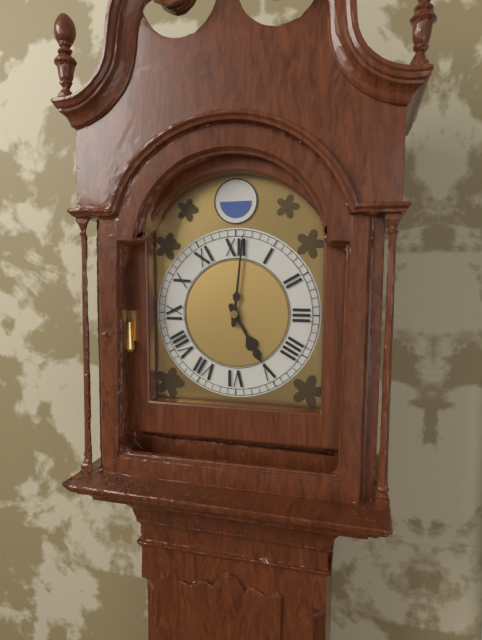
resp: 5,01
